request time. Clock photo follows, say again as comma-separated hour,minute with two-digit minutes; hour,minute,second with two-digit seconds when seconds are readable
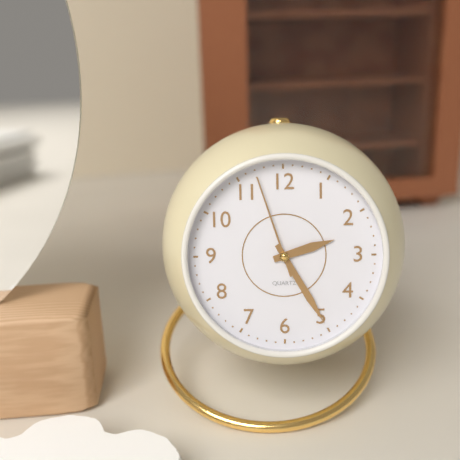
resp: 2,25,57
